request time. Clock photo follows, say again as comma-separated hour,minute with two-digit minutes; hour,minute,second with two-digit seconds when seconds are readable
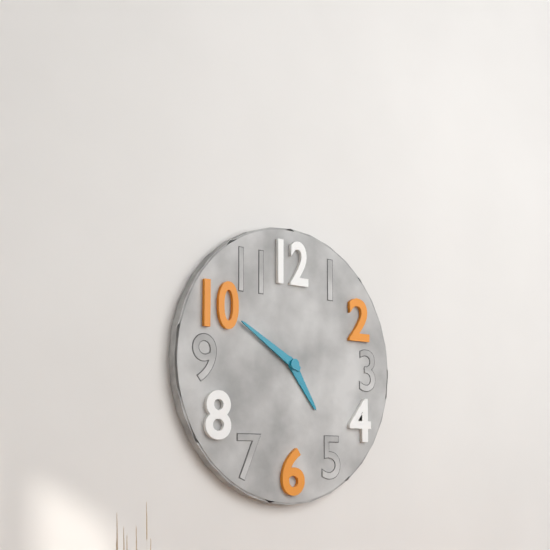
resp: 4,50
